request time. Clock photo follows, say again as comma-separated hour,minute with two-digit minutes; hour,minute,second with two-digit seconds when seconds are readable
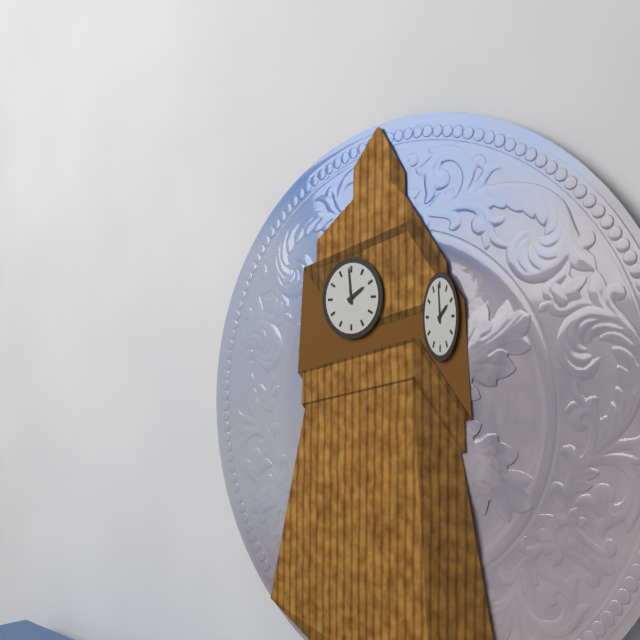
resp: 1,59
